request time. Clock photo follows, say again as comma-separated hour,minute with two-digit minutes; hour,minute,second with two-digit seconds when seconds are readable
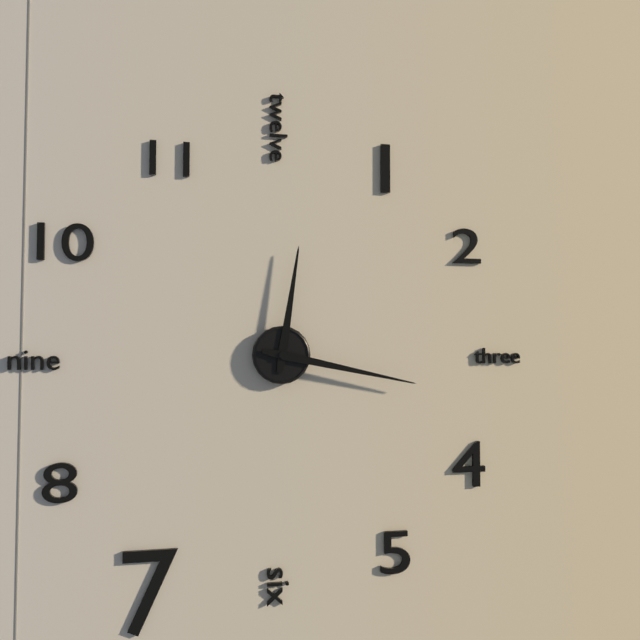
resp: 12,17
